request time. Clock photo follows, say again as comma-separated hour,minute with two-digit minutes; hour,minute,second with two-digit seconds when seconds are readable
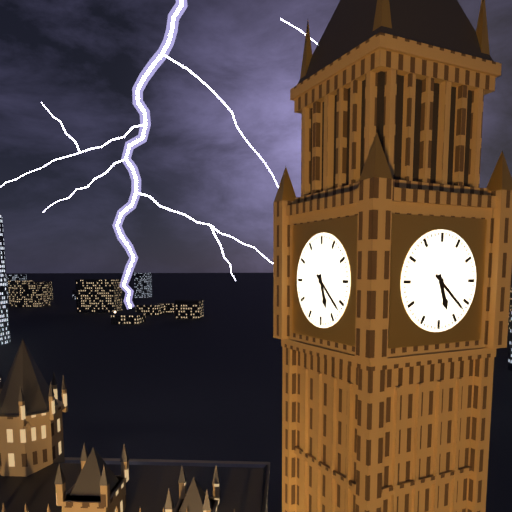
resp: 5,22
